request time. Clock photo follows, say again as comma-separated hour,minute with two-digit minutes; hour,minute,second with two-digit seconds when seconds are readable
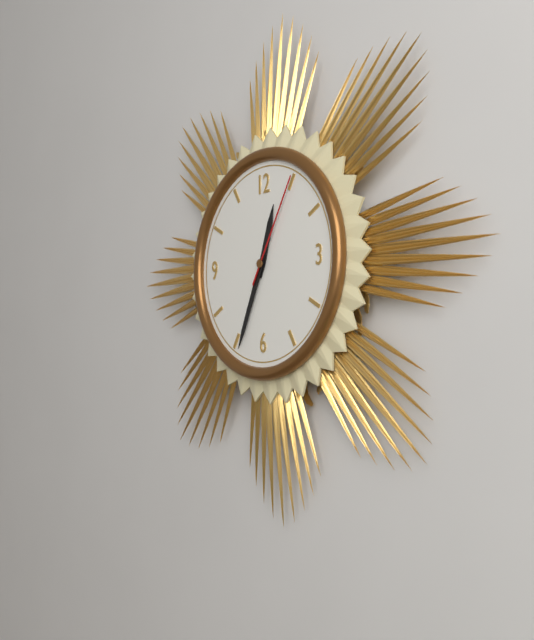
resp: 12,34,05
